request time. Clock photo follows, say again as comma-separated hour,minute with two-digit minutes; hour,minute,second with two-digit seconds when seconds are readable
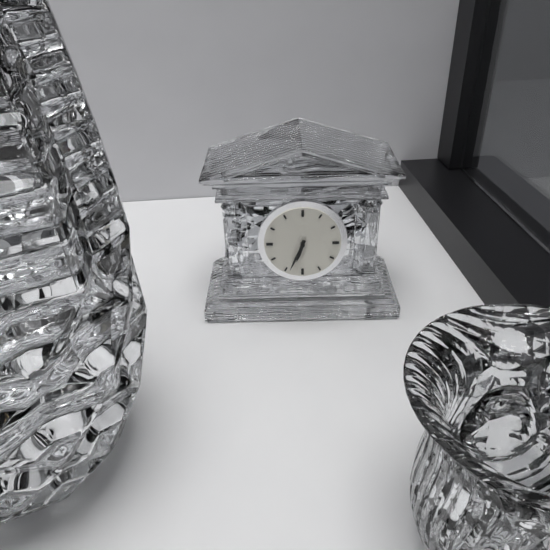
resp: 6,34
